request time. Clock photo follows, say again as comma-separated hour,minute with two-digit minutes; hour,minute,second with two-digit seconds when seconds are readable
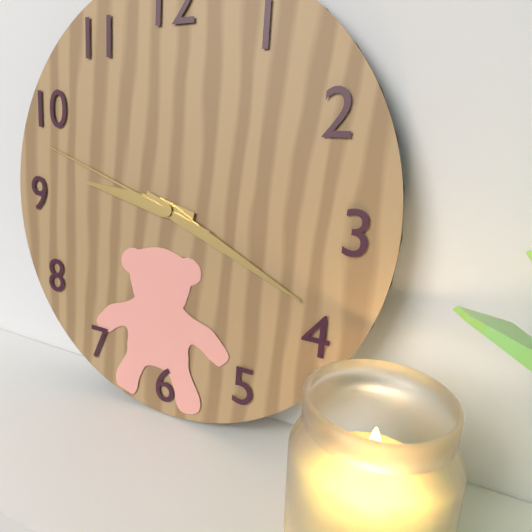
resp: 9,19,48
